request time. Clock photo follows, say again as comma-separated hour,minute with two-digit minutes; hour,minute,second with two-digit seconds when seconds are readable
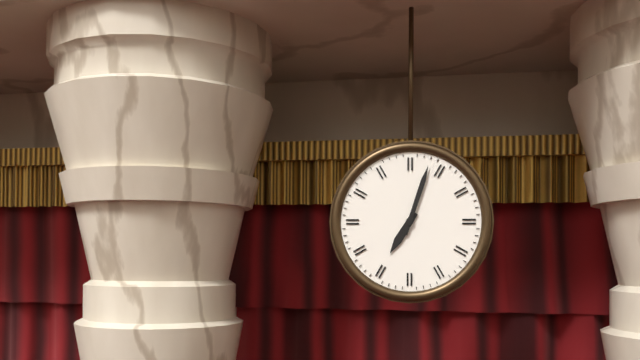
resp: 7,03
